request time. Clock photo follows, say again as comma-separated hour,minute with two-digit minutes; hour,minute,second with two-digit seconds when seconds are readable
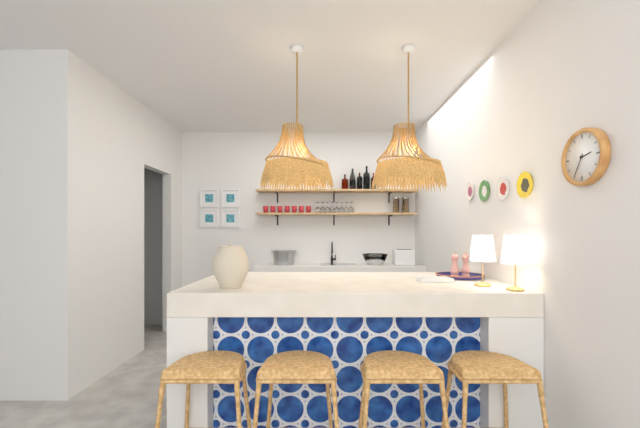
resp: 2,35
